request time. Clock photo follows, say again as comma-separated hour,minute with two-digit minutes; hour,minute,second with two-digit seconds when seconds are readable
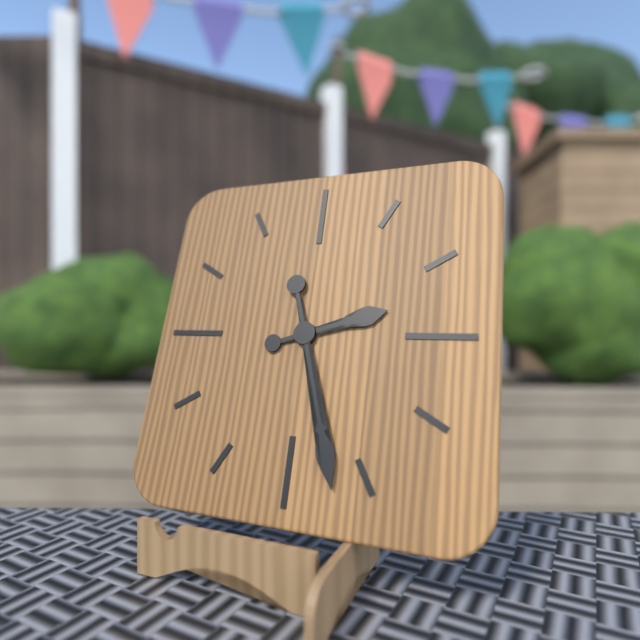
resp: 2,27
